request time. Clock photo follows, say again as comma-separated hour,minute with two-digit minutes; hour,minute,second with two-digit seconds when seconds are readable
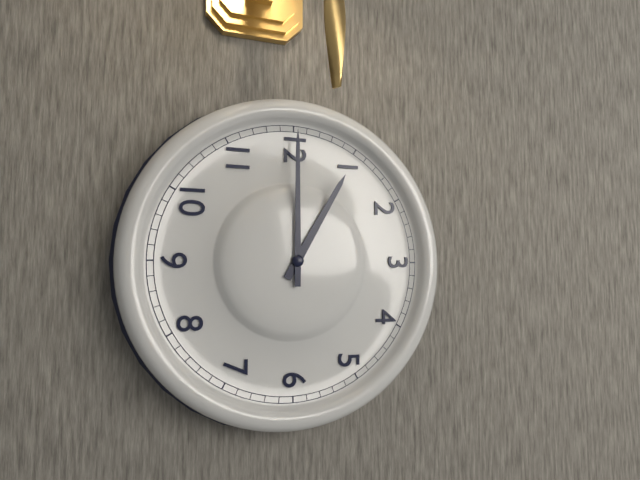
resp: 1,00
